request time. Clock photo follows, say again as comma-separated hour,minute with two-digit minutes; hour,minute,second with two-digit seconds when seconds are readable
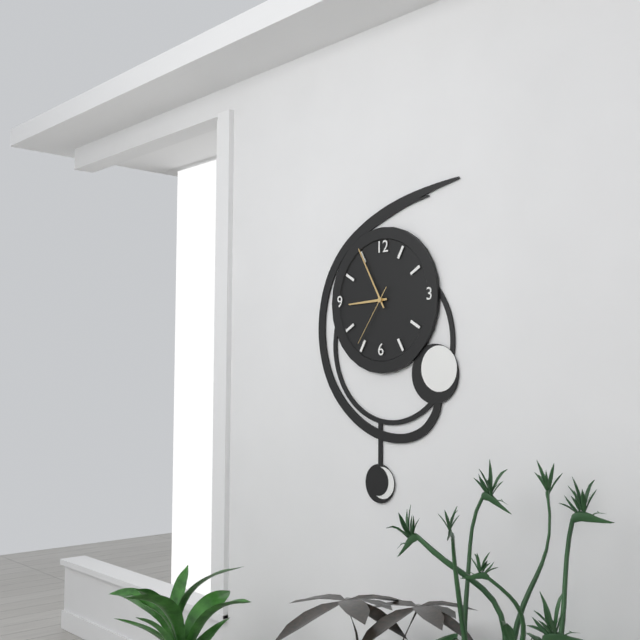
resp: 8,55,36
